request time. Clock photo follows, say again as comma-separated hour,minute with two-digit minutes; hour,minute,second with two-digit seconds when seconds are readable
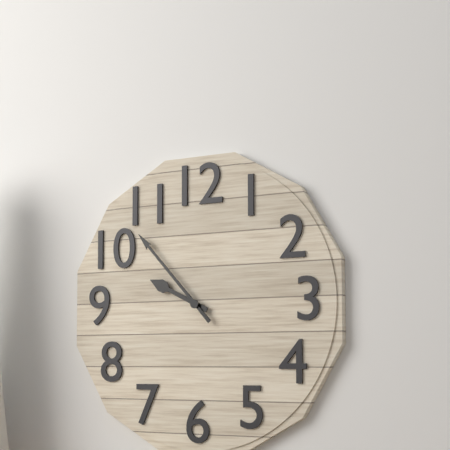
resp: 9,53
